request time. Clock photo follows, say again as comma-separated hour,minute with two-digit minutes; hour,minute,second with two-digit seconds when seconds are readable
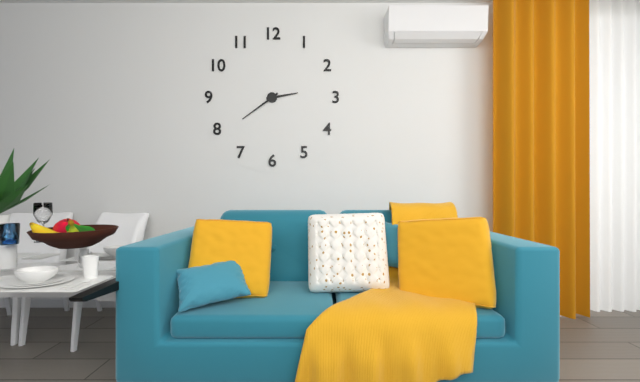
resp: 2,39
